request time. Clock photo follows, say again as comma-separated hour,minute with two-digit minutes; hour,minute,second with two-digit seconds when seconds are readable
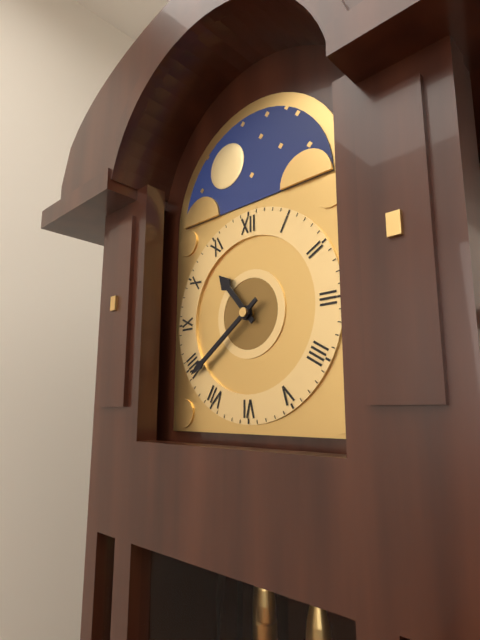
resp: 10,39
